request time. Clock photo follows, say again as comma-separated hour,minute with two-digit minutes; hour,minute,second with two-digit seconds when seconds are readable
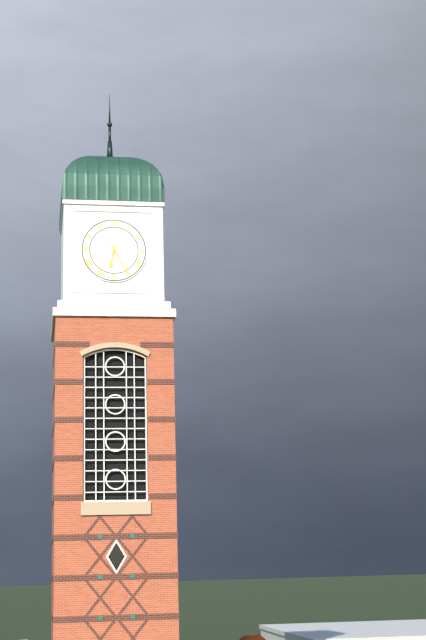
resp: 6,25
